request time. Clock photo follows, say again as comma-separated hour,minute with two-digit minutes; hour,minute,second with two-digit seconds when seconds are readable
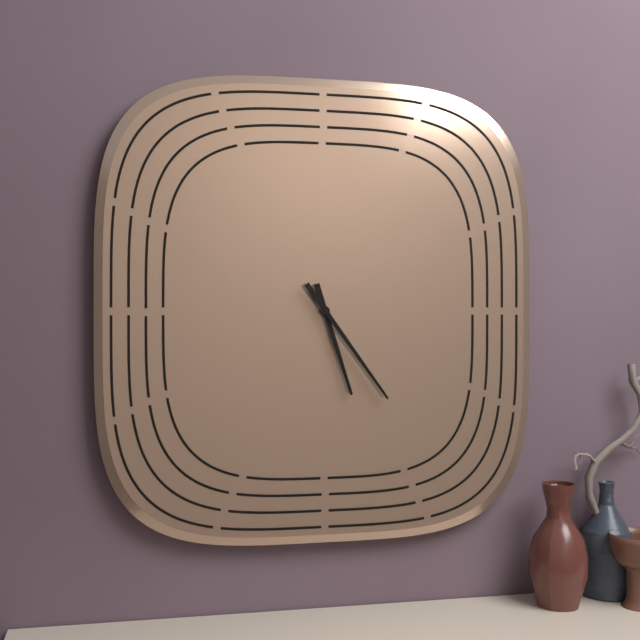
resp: 5,24
